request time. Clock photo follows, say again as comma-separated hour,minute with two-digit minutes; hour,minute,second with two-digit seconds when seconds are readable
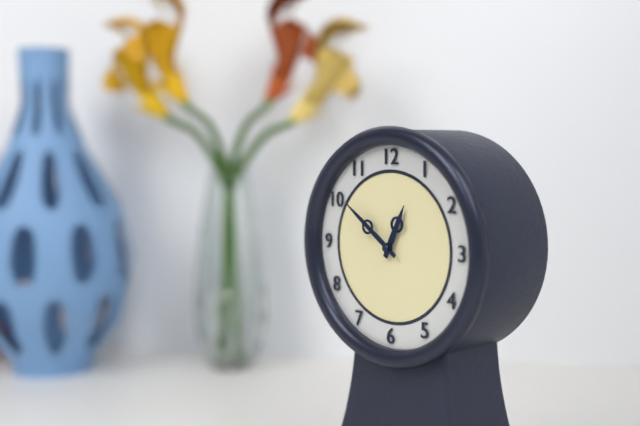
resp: 12,51
